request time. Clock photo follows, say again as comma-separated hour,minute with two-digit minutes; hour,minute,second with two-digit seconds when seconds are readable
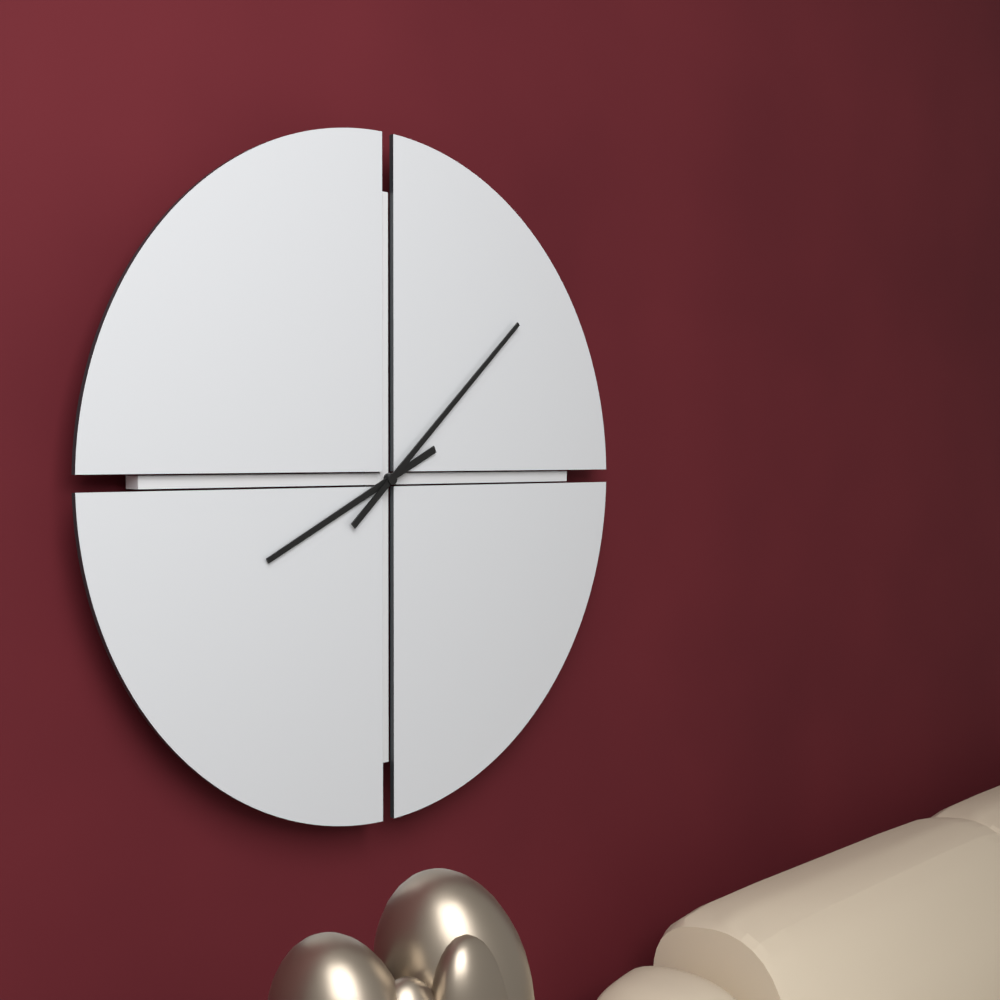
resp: 8,08
